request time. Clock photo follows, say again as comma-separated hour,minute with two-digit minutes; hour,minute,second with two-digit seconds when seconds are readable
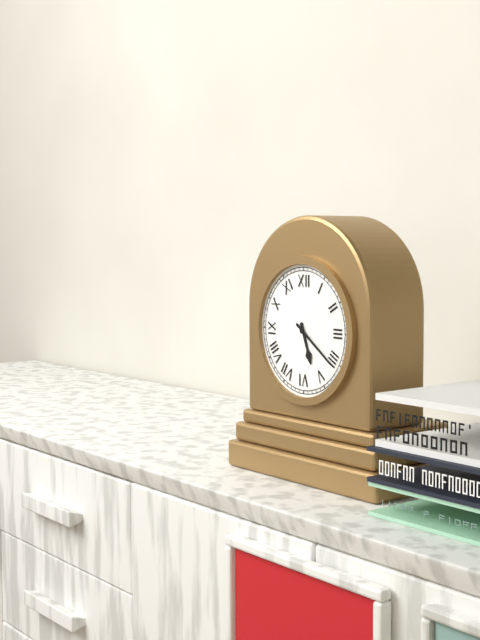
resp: 5,21
